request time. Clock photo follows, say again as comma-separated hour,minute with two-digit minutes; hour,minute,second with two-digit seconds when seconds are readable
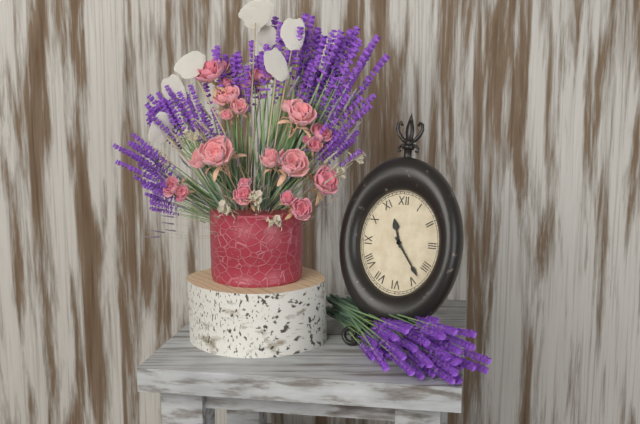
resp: 11,24
